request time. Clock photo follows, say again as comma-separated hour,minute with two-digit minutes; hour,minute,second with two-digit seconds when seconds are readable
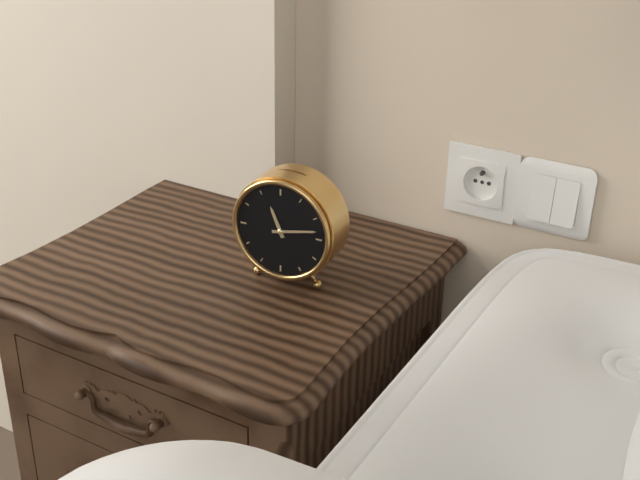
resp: 11,13
